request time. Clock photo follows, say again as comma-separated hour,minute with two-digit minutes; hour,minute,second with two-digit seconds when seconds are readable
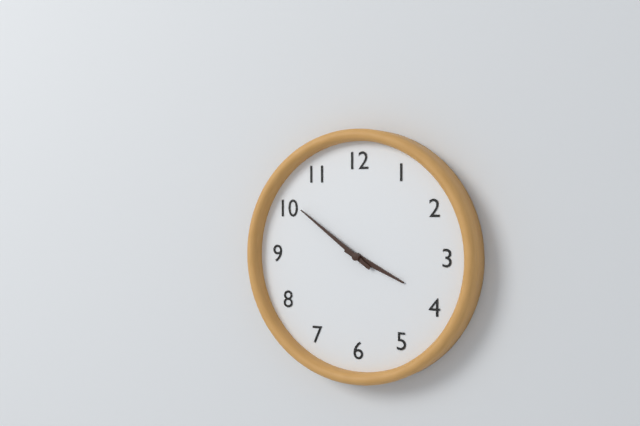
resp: 3,51
